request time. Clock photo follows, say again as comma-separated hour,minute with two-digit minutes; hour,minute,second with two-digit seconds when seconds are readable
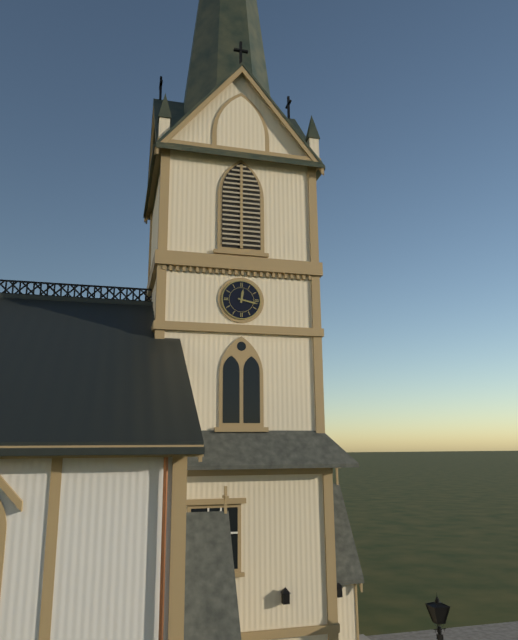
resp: 12,17
